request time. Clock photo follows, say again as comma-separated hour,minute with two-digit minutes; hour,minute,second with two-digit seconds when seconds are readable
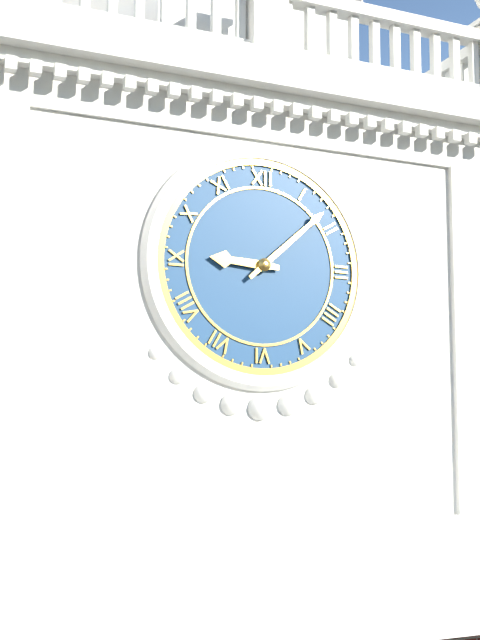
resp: 9,08
